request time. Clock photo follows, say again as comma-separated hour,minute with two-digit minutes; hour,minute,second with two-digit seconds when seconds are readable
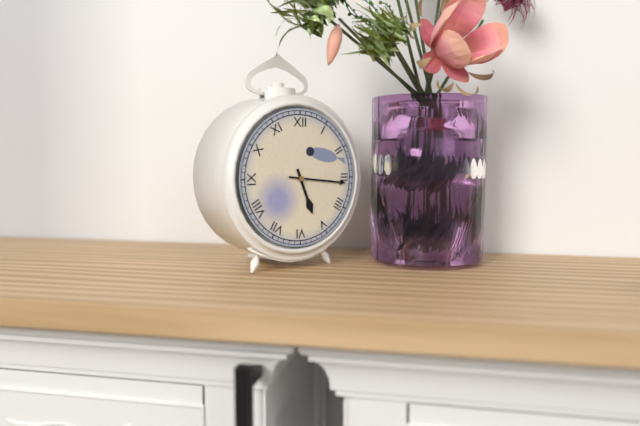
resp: 5,16
